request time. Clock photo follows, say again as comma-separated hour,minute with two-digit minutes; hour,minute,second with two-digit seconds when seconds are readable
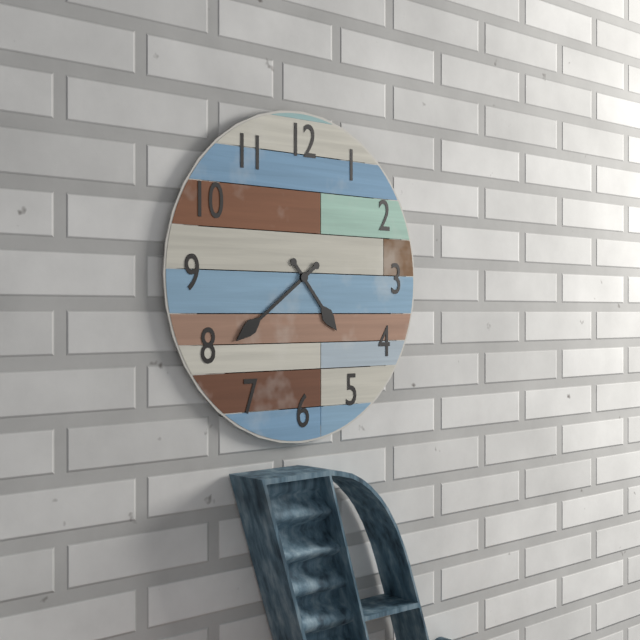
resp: 4,39
